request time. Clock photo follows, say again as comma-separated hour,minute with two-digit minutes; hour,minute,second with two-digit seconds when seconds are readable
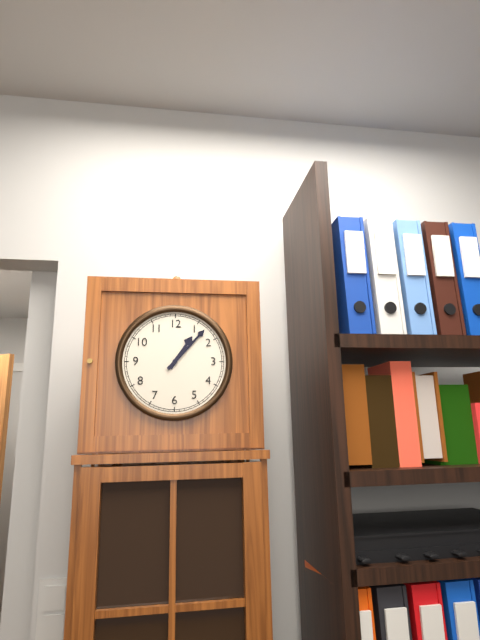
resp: 1,07
